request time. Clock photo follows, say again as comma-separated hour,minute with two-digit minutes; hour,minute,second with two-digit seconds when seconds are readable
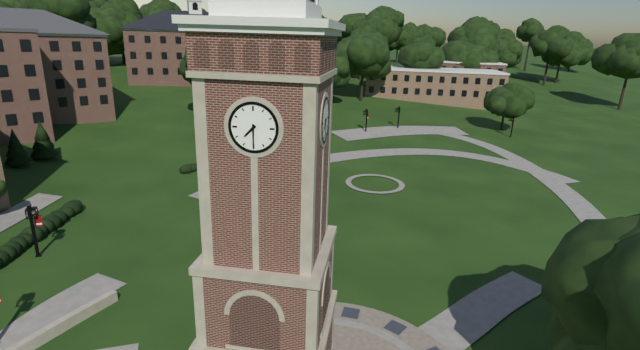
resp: 7,30
